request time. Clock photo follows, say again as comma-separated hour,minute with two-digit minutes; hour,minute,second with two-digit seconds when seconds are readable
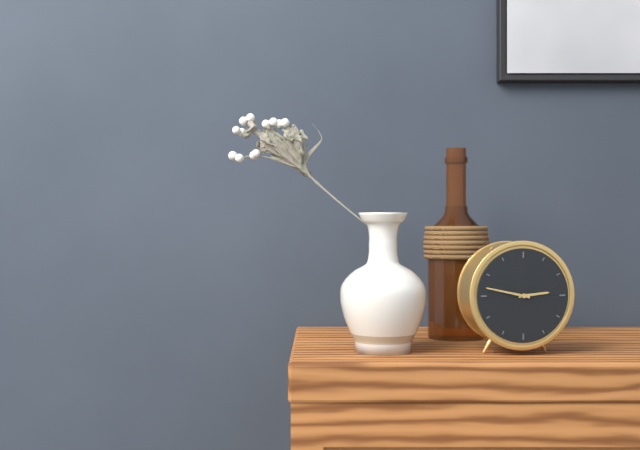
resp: 2,47
